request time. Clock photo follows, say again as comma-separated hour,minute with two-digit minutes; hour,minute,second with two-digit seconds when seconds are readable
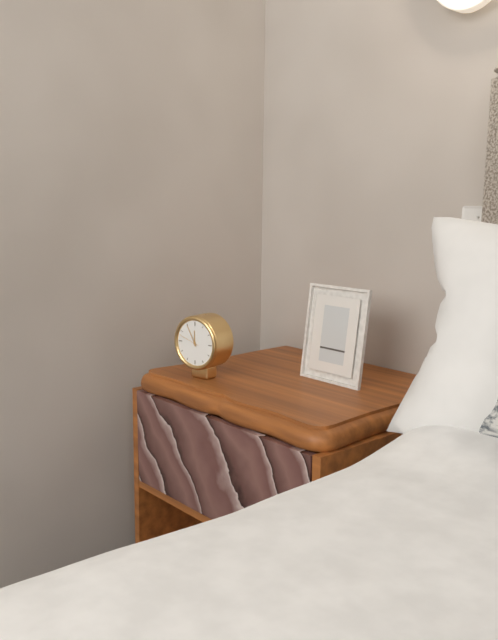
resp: 11,55
